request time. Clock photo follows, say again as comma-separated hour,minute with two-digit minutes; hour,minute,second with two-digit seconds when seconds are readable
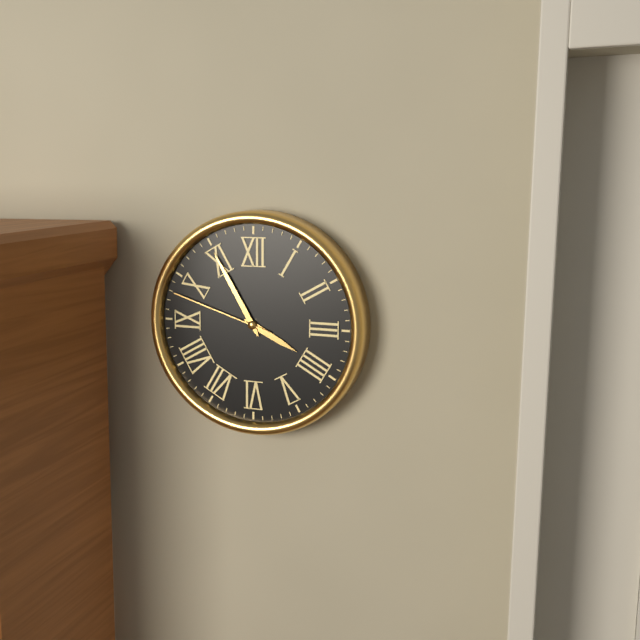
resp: 3,55,48
